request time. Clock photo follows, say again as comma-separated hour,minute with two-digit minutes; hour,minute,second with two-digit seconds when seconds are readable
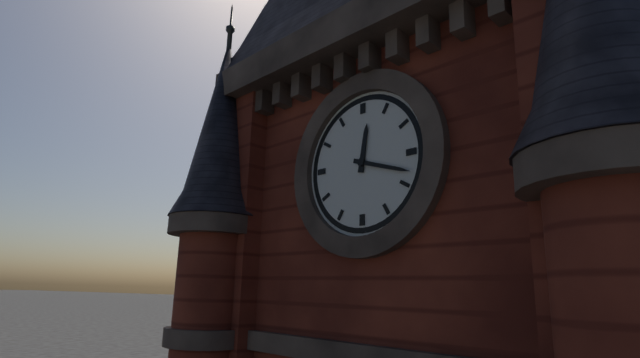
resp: 12,18
